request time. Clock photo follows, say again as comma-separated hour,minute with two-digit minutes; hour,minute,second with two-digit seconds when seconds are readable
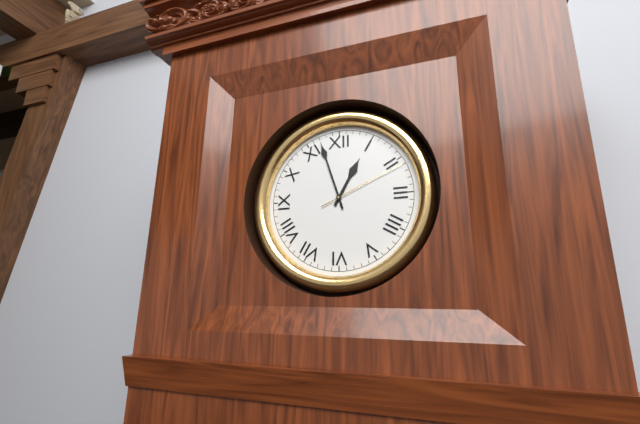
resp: 12,57,11
